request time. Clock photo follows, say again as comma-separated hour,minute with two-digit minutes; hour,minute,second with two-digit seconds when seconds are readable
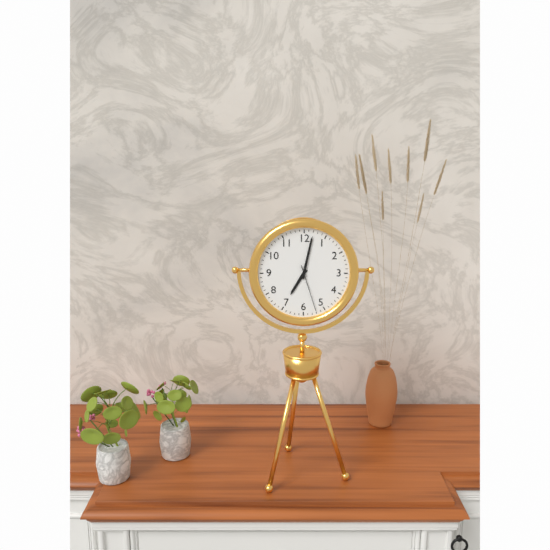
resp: 7,02
